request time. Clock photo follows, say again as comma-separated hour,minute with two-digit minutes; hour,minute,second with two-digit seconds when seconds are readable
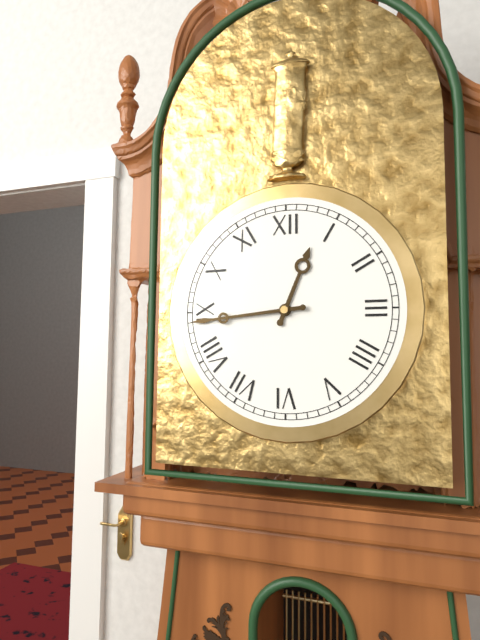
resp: 12,44
